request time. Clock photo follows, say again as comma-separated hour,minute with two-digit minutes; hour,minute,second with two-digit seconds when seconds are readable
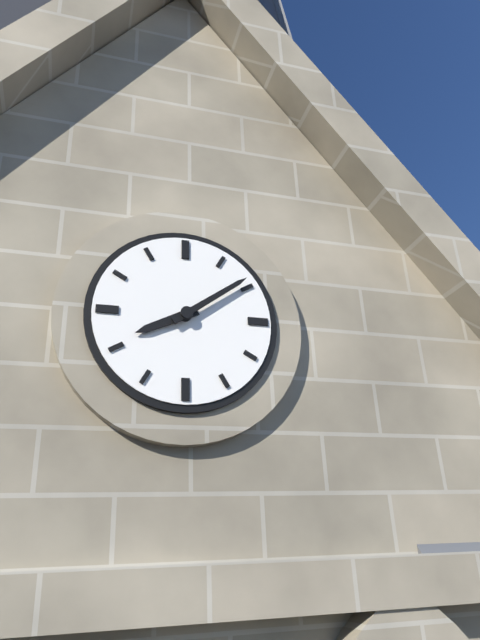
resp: 8,09
